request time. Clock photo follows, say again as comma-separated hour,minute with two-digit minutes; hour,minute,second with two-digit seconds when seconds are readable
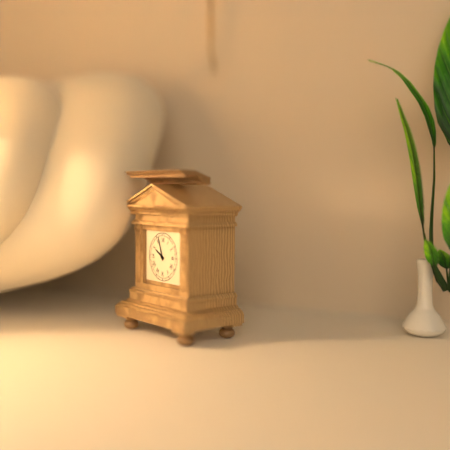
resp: 9,57
